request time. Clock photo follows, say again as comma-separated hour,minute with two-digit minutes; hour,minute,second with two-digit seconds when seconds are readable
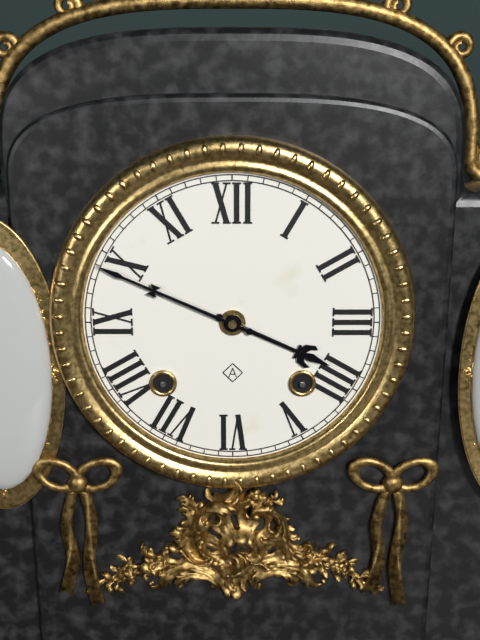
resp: 3,49
